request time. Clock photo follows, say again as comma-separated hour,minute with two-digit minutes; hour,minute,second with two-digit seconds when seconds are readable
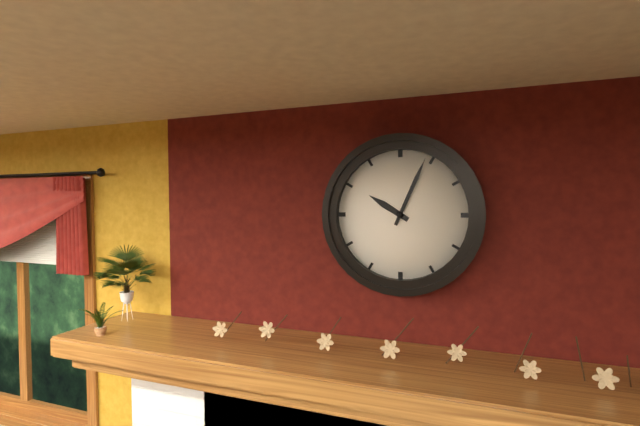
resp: 10,04
